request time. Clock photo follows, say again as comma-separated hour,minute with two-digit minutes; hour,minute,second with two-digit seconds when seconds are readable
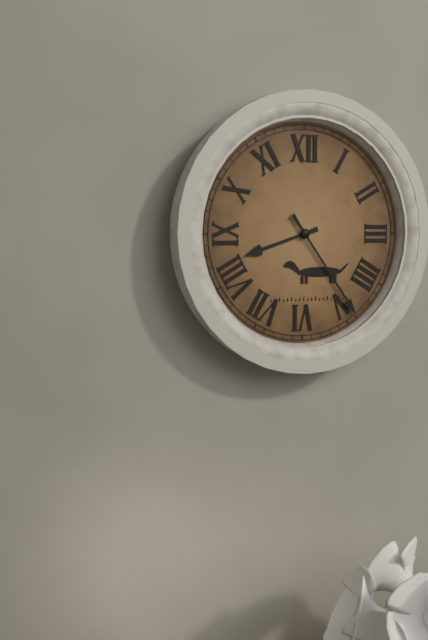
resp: 8,24
